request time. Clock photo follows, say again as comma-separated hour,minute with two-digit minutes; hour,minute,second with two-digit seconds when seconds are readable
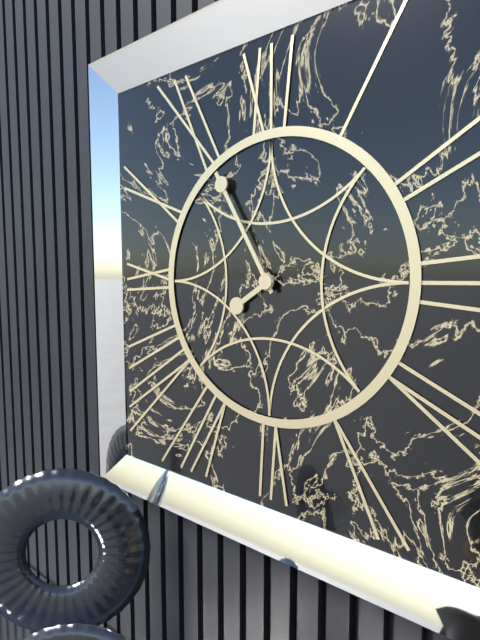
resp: 7,55
